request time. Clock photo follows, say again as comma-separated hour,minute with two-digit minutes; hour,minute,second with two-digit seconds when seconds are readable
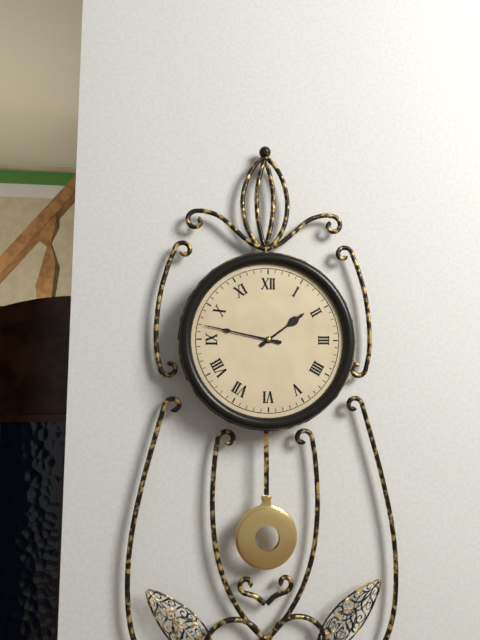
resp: 1,47
